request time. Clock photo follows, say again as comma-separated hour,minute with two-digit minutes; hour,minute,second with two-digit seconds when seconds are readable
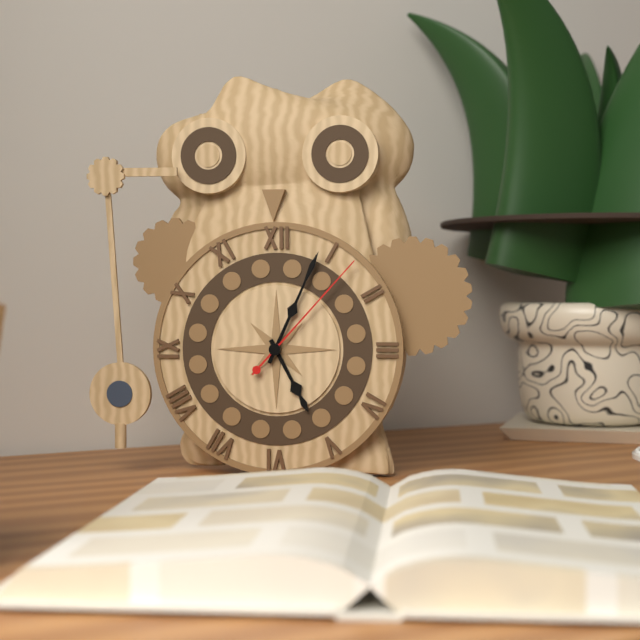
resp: 5,04,07
